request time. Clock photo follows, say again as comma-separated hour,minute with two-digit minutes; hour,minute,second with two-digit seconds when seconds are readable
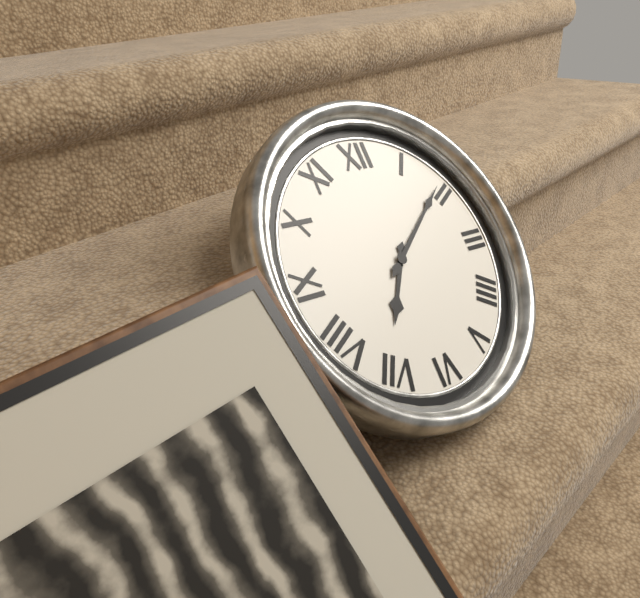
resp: 7,09
